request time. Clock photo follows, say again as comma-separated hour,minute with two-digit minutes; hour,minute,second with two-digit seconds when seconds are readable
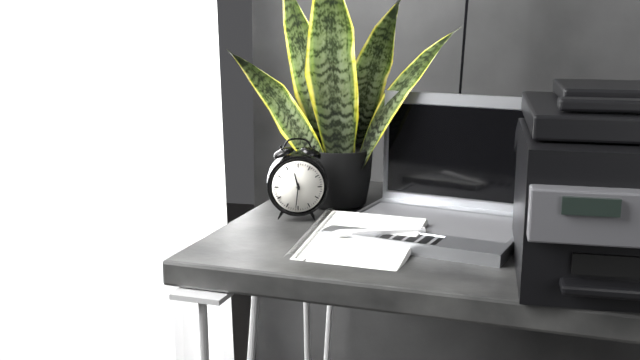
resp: 11,31
